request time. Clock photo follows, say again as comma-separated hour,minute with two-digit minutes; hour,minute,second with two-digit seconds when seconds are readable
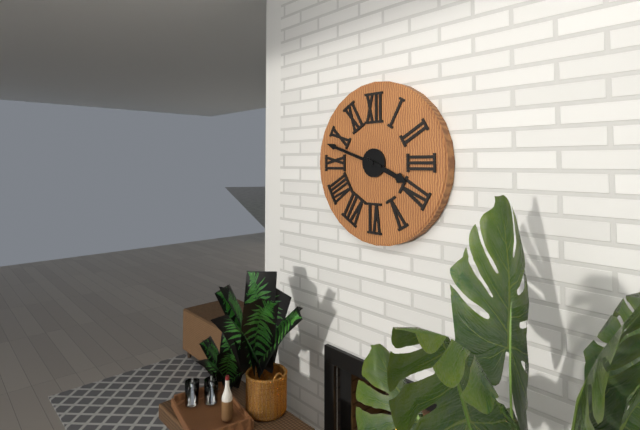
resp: 3,48
